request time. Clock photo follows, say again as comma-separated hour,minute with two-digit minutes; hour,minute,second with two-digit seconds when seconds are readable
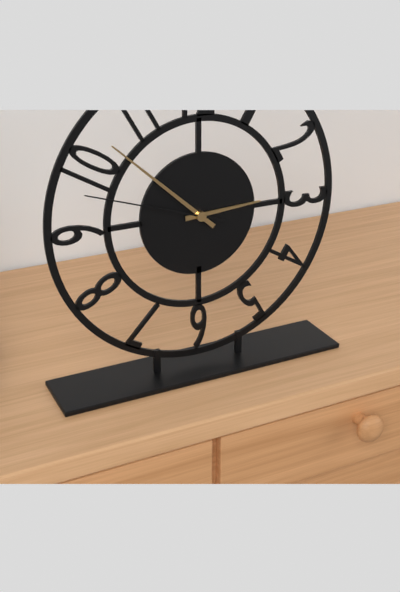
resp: 2,52,48
